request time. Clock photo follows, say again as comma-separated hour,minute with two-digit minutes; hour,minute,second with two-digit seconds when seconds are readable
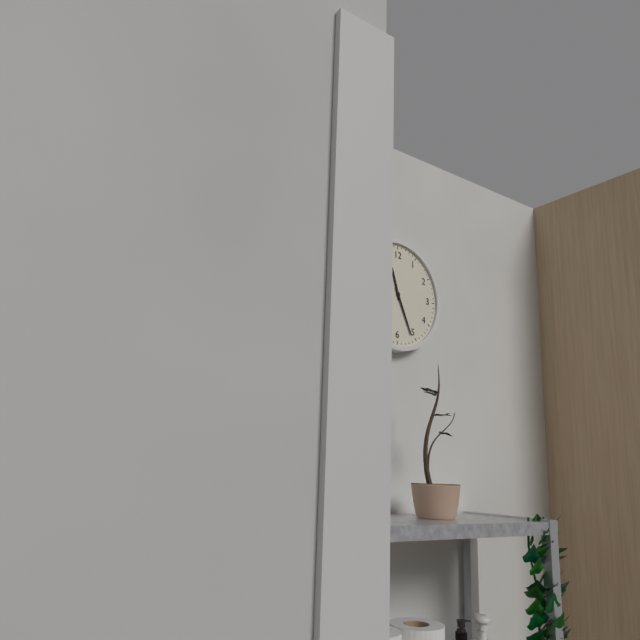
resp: 11,26
